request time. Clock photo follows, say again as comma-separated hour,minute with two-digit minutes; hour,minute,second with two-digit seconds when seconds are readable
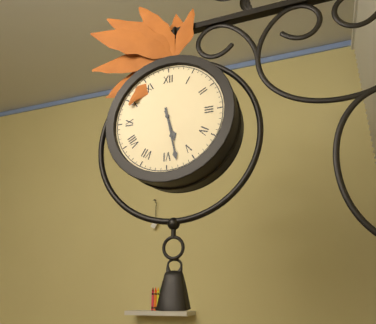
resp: 5,28
